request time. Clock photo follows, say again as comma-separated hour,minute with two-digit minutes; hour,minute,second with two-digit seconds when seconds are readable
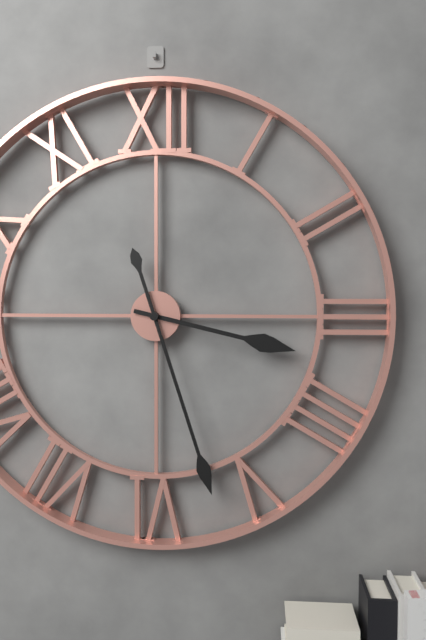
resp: 3,27
